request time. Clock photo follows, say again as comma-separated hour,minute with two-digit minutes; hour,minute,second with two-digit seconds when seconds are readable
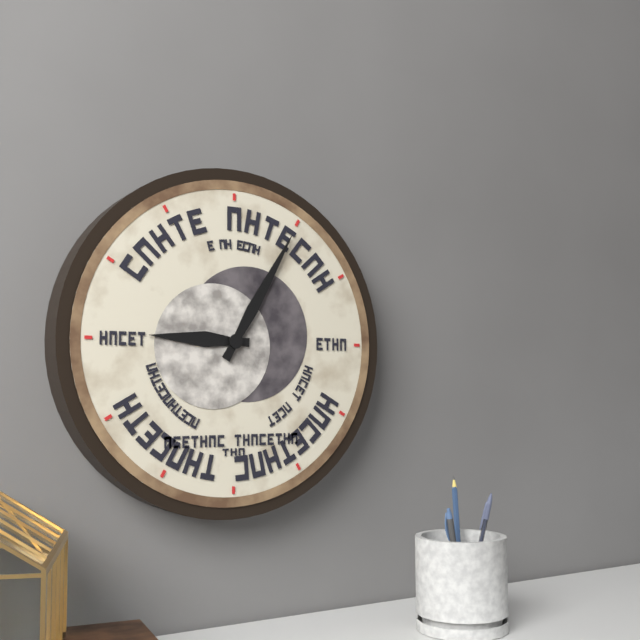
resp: 9,05
